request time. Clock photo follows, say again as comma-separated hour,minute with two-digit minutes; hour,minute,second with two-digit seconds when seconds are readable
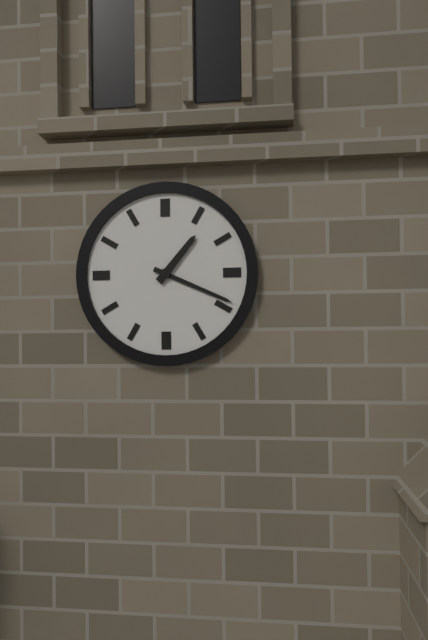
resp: 1,19
